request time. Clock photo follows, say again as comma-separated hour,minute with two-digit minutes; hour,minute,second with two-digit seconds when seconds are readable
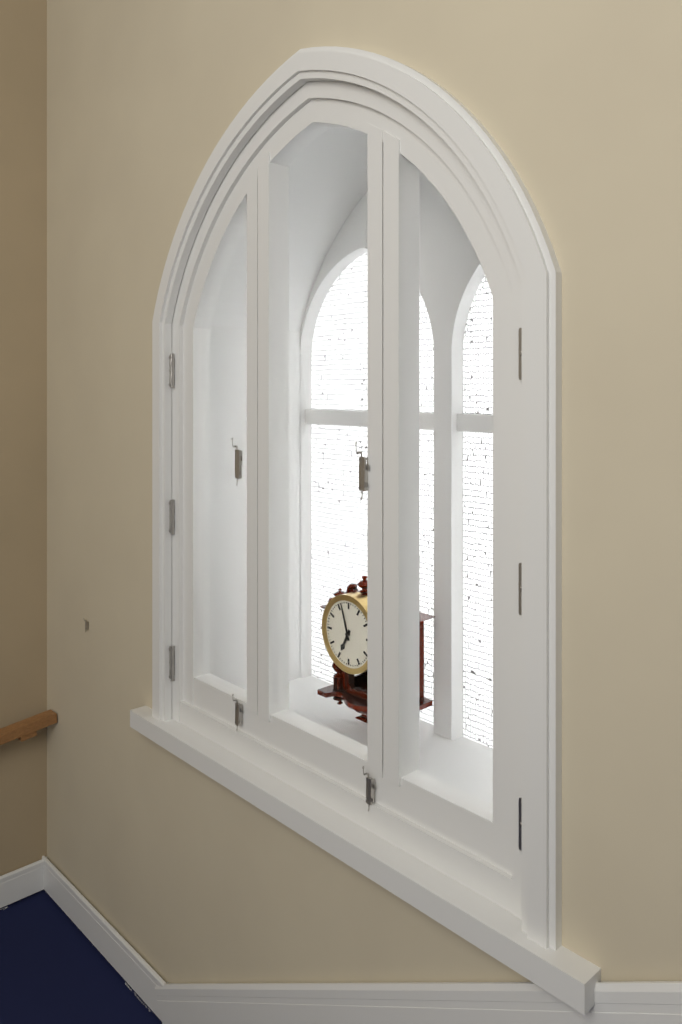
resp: 6,57
